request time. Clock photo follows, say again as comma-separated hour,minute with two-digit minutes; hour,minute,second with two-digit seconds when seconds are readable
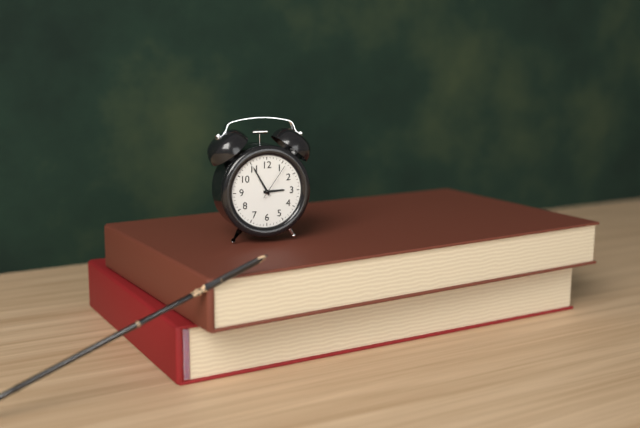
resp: 2,55
